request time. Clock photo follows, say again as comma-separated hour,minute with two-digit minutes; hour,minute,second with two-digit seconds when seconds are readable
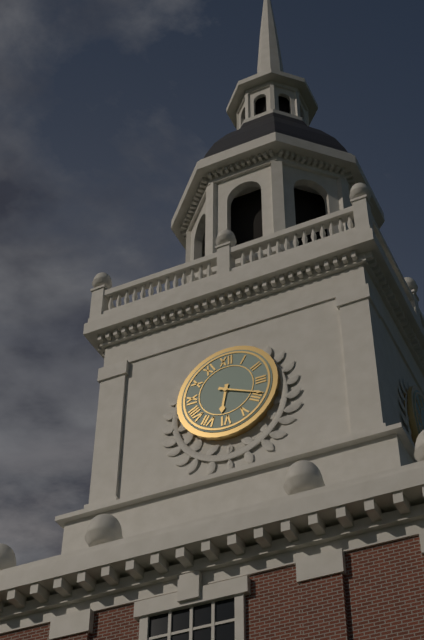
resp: 6,19
